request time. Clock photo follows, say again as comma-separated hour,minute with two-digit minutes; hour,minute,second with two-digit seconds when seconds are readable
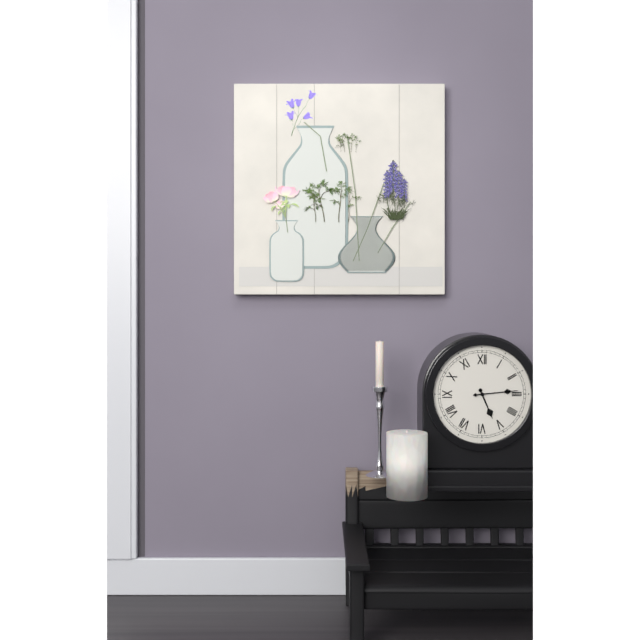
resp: 5,14
